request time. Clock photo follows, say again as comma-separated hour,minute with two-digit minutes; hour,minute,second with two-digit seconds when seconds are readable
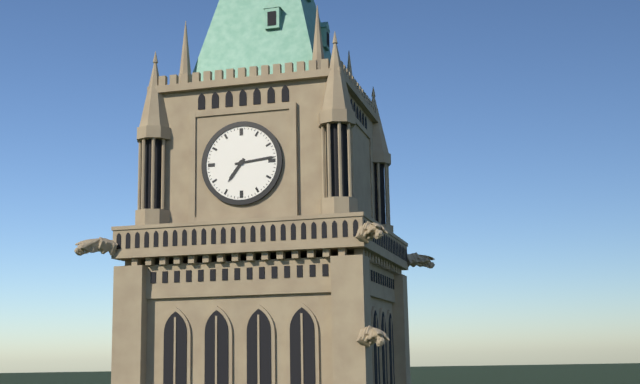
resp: 7,14
